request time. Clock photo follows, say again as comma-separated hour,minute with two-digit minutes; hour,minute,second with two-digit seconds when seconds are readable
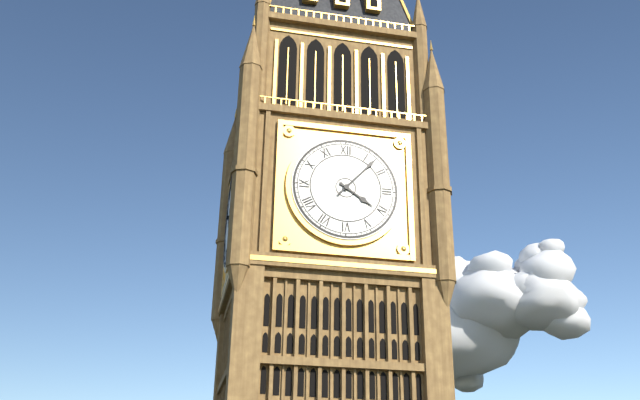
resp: 4,07
